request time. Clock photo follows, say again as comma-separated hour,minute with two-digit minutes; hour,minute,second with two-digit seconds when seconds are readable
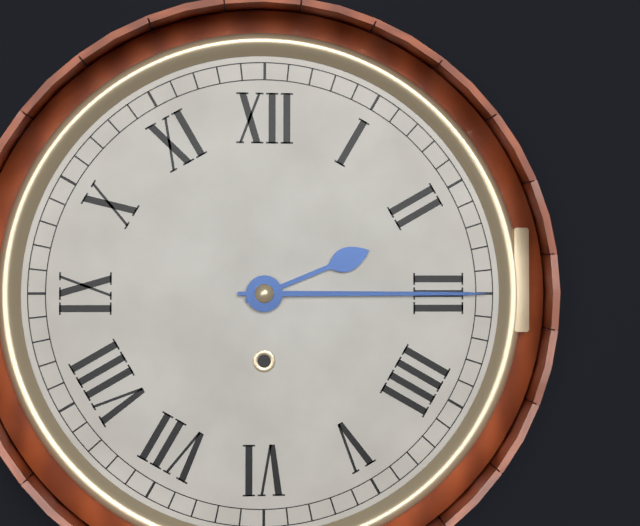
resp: 2,15
